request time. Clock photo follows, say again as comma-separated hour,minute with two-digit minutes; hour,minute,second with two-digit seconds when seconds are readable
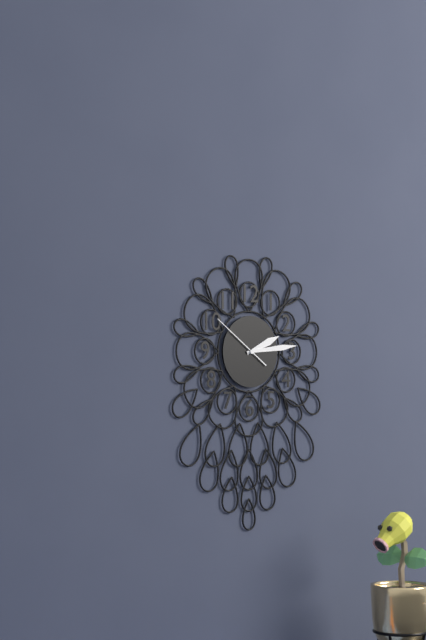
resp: 2,14,51
